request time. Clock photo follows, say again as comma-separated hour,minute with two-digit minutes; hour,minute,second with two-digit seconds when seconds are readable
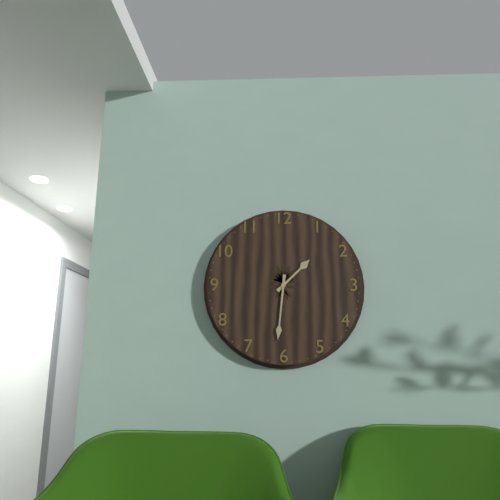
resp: 1,31
